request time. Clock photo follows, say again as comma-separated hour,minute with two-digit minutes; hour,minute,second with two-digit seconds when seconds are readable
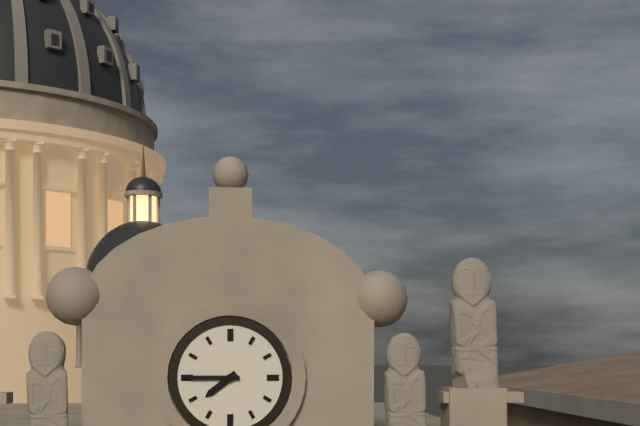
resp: 7,45
